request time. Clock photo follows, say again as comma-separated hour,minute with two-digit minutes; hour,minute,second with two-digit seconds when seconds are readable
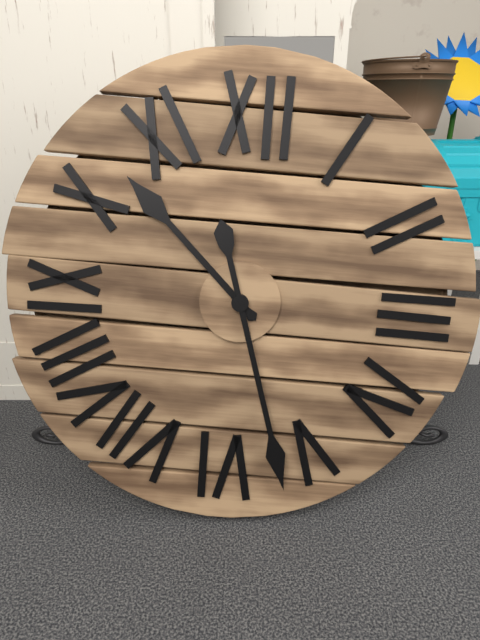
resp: 10,27
